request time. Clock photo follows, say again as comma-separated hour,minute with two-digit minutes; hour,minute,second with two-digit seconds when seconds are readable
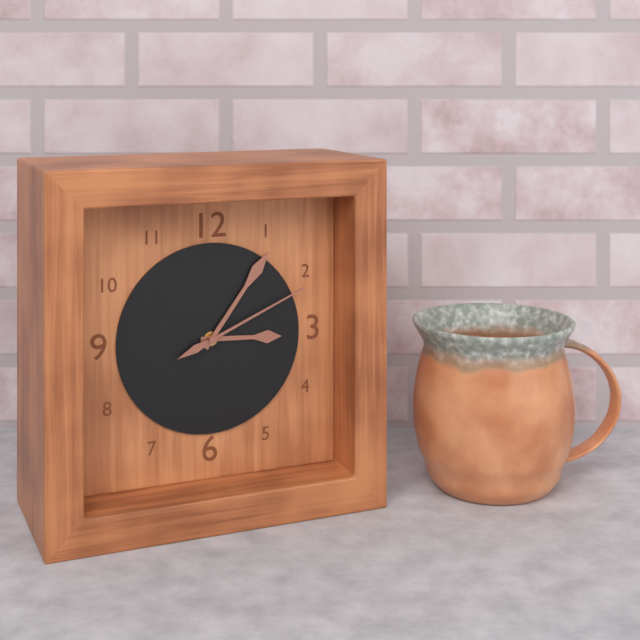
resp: 3,06,11
